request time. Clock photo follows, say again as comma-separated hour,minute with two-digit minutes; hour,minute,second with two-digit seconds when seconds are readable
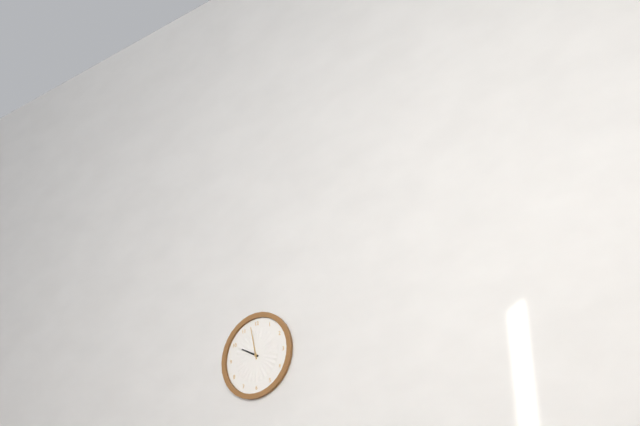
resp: 9,58
